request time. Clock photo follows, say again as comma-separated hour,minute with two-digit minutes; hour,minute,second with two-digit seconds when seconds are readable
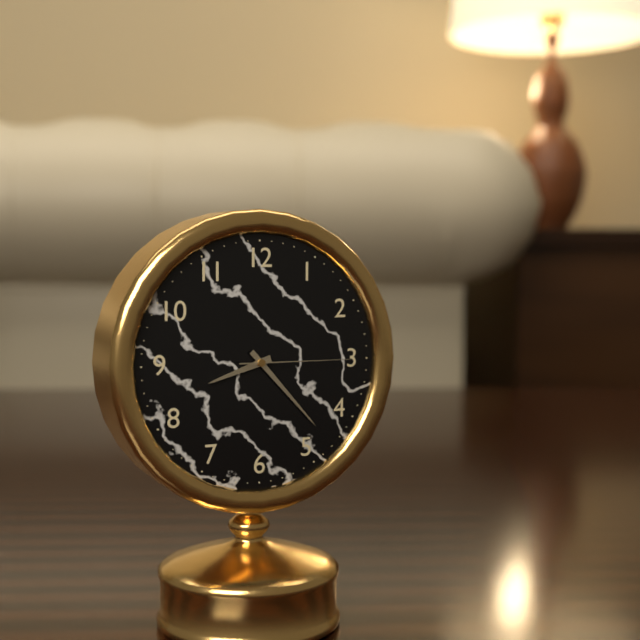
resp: 8,23,15
